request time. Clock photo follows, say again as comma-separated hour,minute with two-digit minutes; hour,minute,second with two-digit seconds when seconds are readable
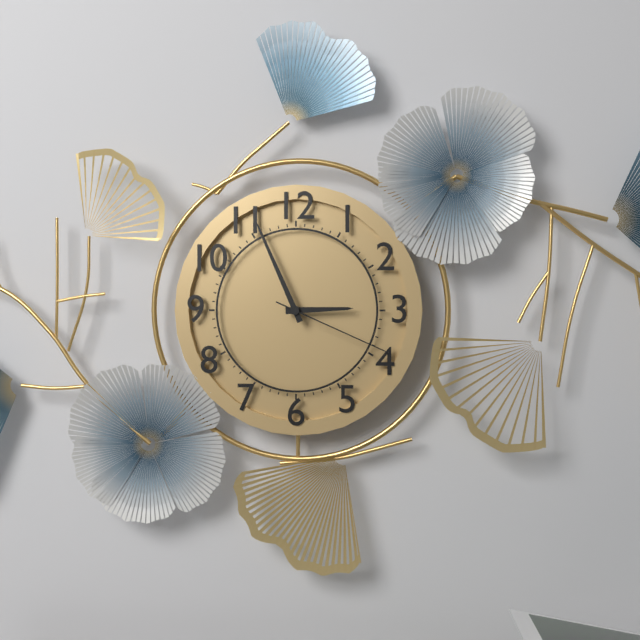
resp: 2,56,19
